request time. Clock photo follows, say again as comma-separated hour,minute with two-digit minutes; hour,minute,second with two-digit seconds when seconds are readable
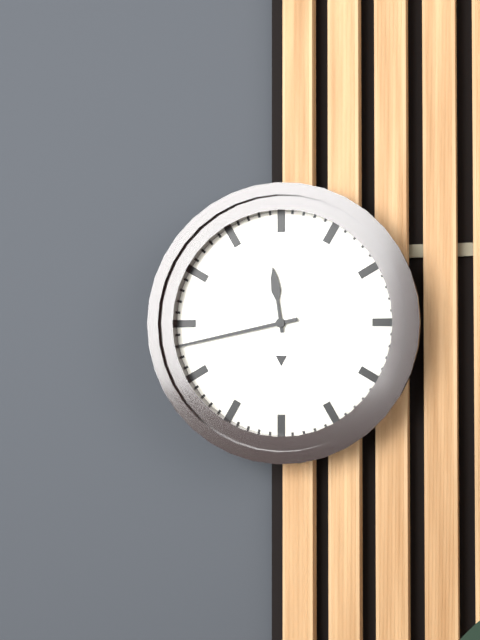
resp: 11,43
